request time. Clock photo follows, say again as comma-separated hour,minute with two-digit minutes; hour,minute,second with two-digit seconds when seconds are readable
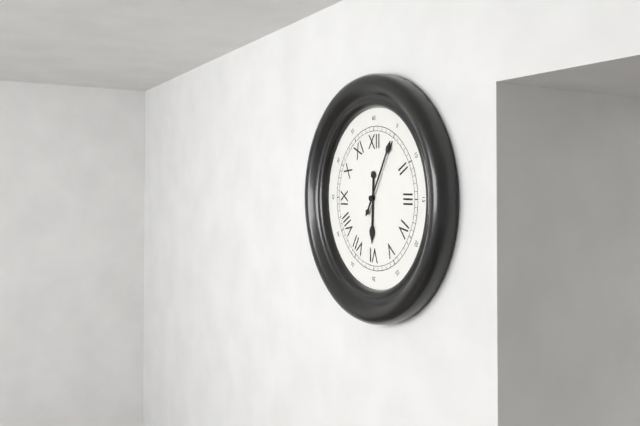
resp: 6,05
